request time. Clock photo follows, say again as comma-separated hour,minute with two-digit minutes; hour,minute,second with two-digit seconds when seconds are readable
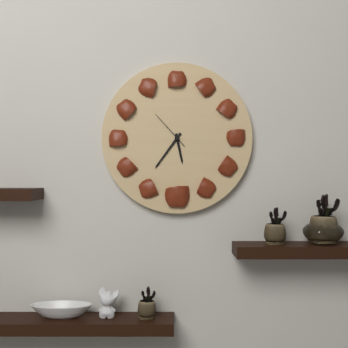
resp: 5,36
